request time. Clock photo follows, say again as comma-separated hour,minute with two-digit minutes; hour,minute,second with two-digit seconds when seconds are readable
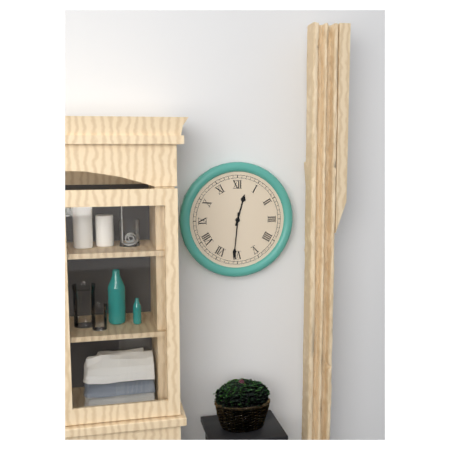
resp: 12,31
